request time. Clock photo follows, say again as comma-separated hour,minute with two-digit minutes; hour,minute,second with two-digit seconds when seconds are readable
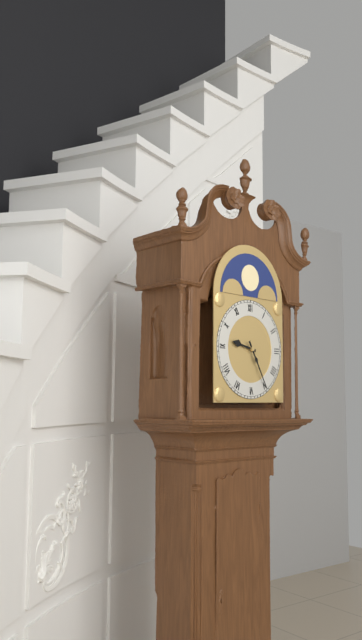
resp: 9,25
